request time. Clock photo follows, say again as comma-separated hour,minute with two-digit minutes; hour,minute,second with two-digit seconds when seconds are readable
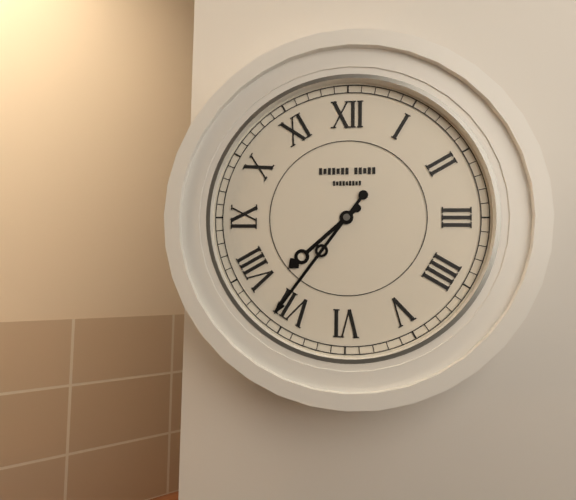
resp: 7,36
